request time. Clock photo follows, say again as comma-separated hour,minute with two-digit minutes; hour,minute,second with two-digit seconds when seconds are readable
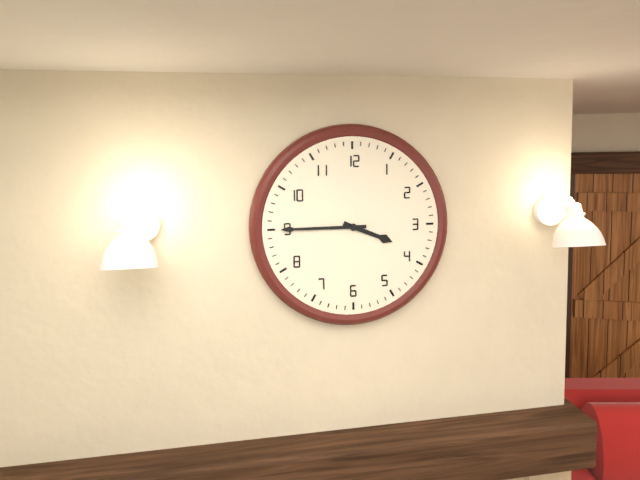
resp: 3,45
